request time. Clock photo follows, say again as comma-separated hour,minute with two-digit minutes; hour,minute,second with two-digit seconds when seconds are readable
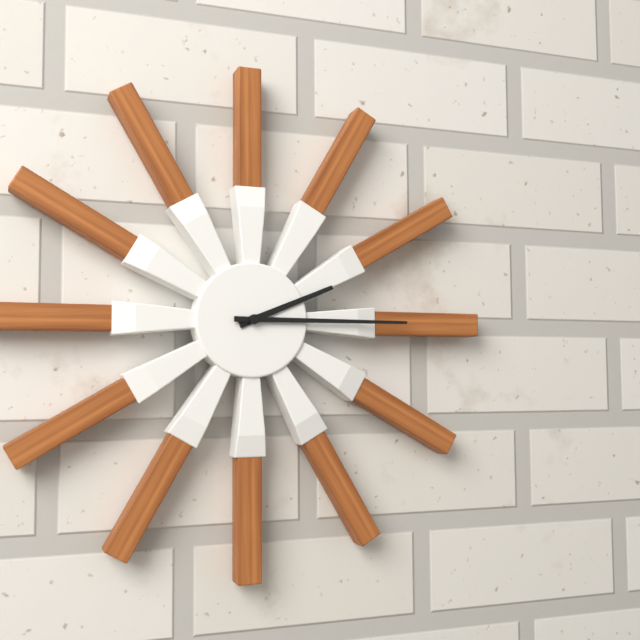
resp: 2,15
